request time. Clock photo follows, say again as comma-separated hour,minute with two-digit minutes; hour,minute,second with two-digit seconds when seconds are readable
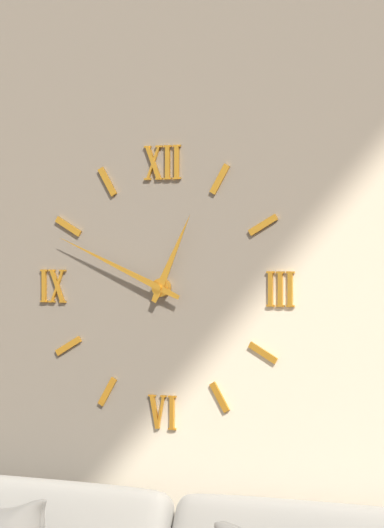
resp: 12,49
